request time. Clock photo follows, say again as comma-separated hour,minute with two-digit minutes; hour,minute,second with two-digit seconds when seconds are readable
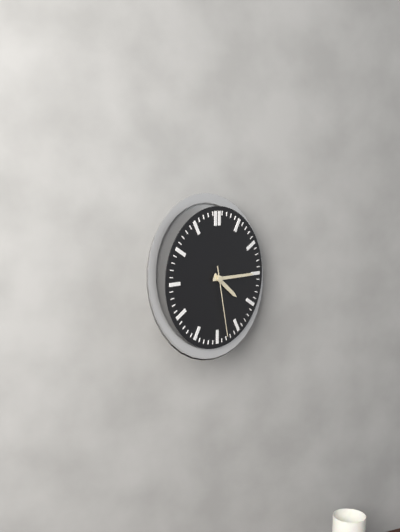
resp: 4,15,28
